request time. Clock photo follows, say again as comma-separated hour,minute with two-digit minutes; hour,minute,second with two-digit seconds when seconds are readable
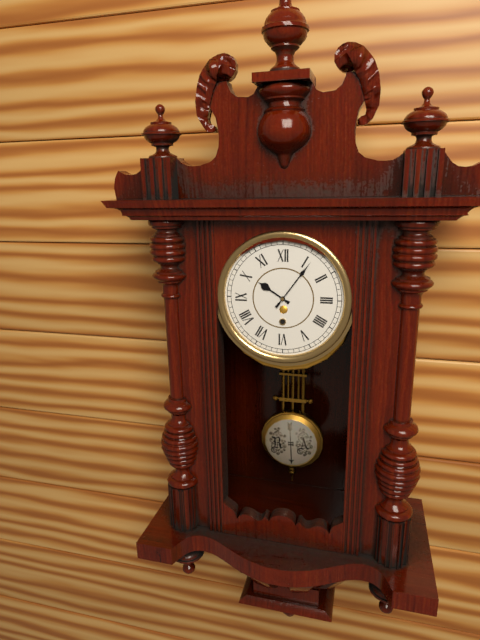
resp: 10,06
